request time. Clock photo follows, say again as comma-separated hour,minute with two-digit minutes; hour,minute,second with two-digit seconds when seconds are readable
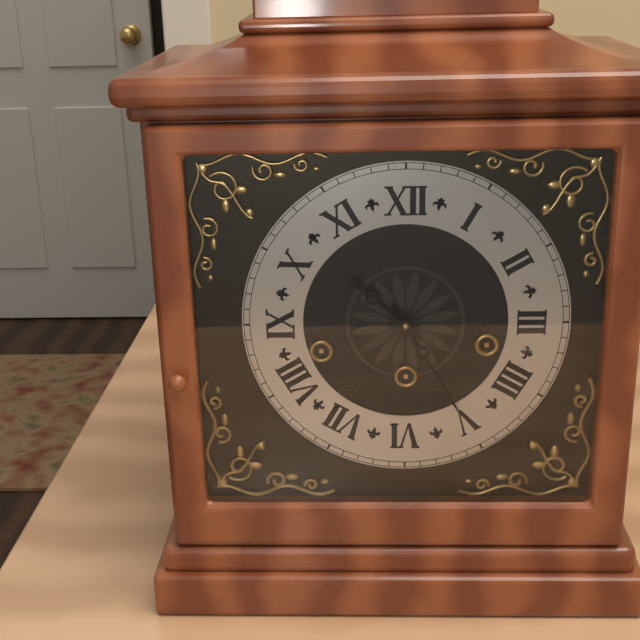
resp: 10,25
